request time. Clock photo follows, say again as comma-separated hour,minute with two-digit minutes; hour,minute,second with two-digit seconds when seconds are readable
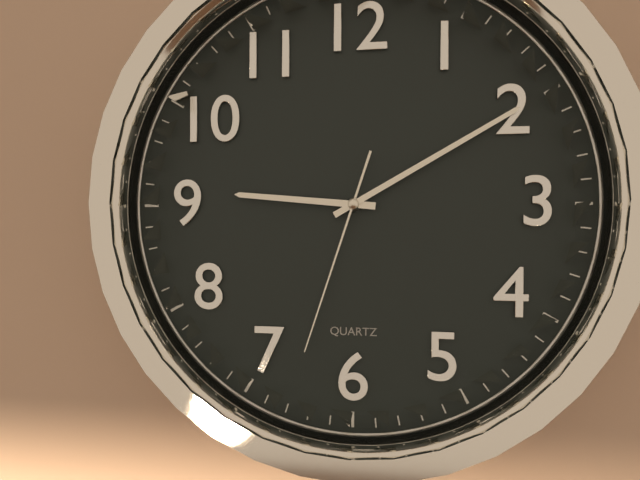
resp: 9,10,33
